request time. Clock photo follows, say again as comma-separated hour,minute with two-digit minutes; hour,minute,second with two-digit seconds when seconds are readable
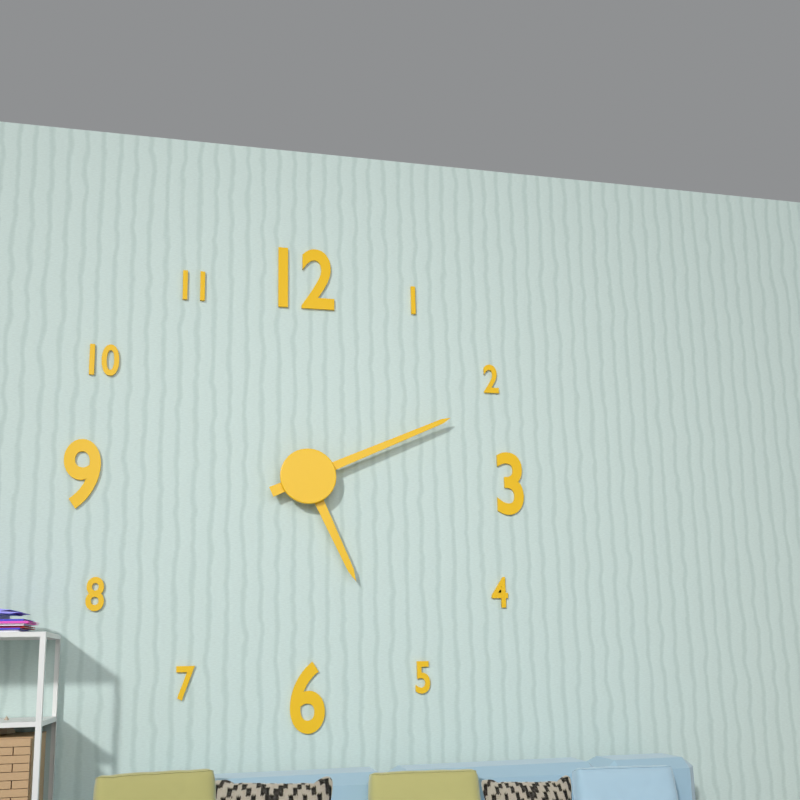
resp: 5,11
